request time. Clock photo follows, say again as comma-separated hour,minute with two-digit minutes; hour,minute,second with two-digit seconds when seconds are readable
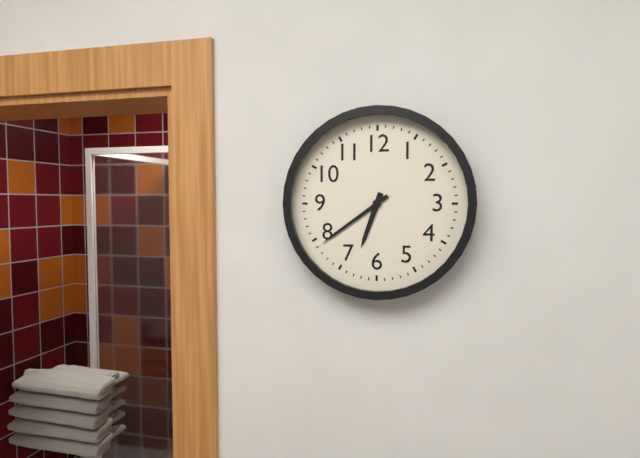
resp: 6,39
